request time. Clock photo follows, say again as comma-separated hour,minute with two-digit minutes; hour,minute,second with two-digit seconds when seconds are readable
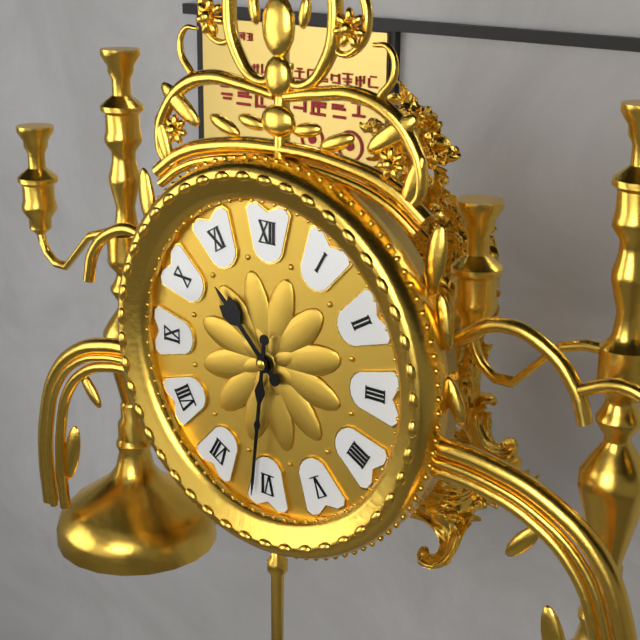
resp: 10,31
